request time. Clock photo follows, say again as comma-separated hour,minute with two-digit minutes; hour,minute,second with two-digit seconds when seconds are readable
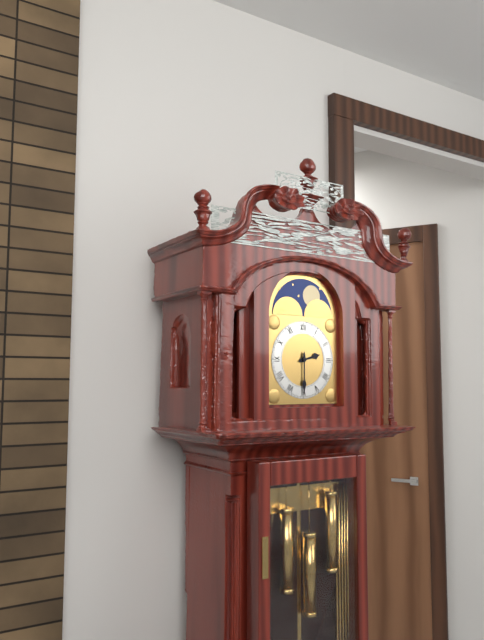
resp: 2,30
